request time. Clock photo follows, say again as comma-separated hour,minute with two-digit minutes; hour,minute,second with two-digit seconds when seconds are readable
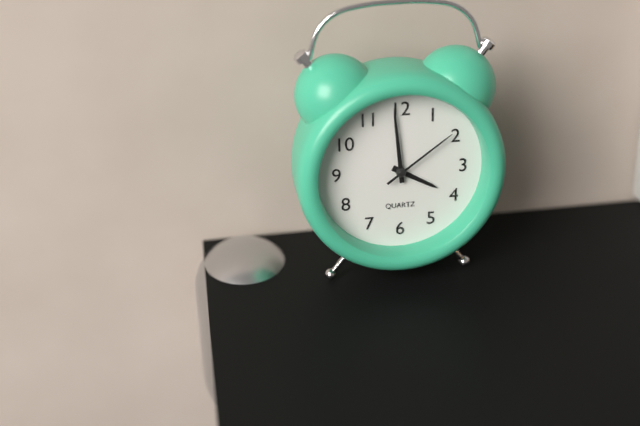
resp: 3,59,09
